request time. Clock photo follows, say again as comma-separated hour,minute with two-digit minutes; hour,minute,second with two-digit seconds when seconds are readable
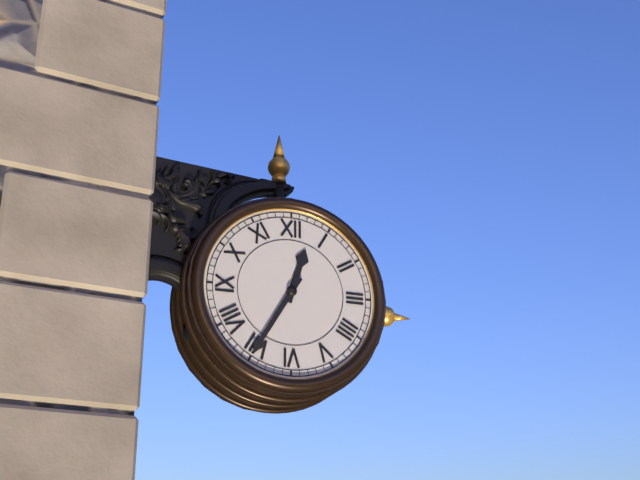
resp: 12,35
